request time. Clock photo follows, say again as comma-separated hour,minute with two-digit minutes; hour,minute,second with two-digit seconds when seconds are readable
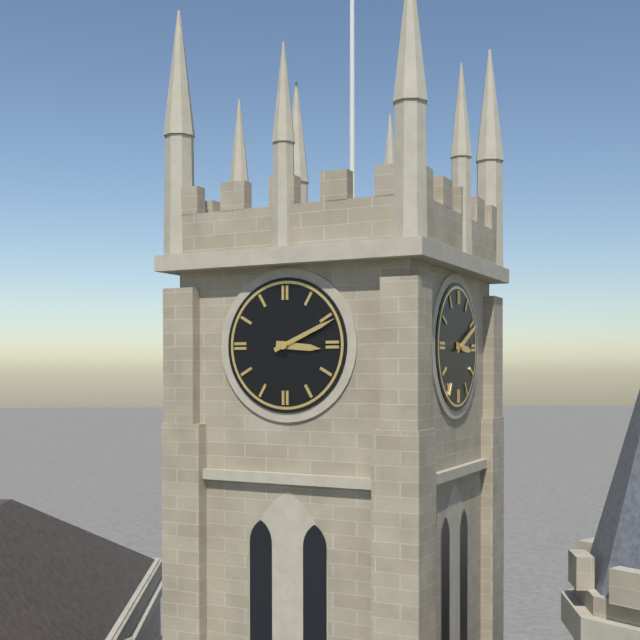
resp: 3,11
